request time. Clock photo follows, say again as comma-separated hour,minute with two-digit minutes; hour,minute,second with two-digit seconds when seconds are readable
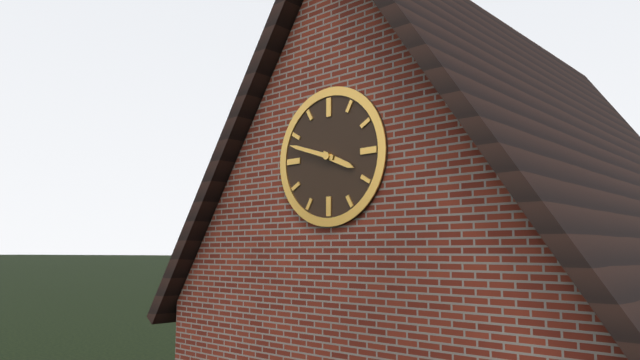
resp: 3,48
